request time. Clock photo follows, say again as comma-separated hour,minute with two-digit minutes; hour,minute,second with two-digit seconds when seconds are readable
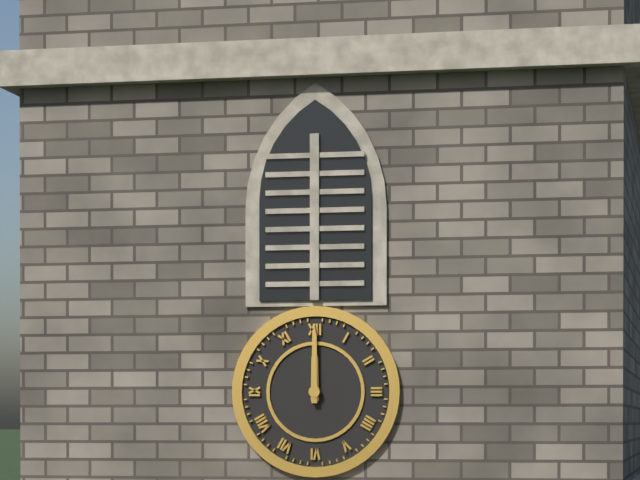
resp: 12,00
